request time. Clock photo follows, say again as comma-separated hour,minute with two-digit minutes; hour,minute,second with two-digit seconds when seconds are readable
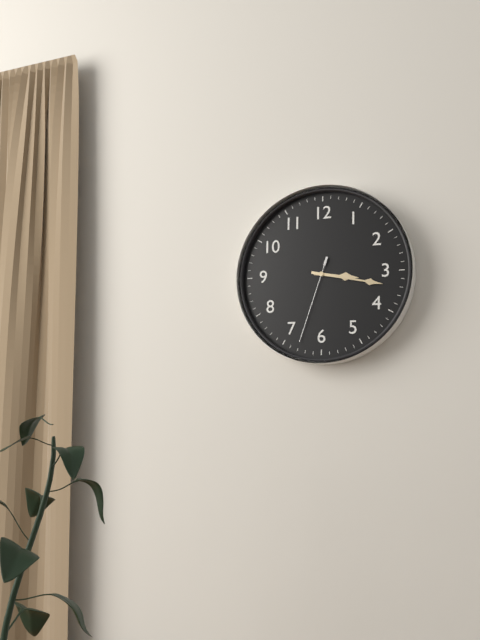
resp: 3,17,33
